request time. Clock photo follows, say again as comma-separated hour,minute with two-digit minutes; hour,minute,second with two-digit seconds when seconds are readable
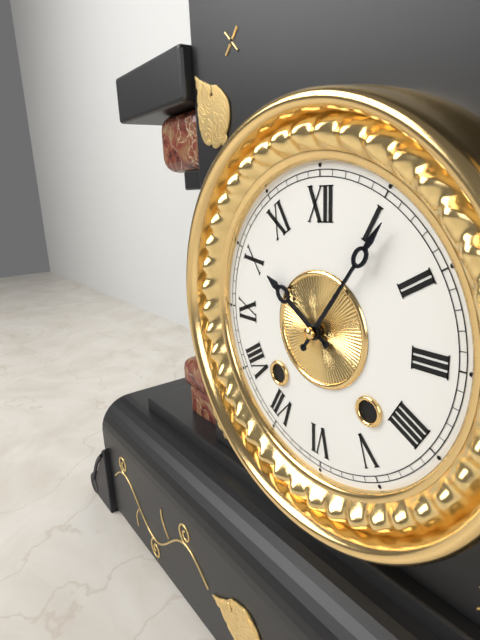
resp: 10,06
